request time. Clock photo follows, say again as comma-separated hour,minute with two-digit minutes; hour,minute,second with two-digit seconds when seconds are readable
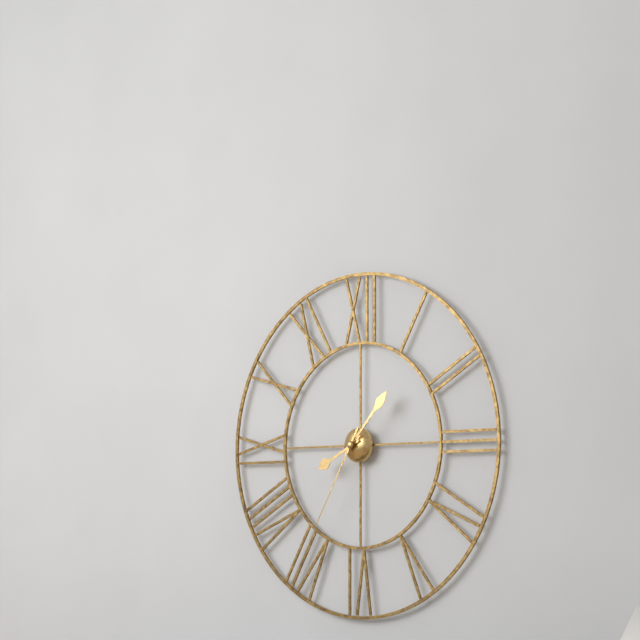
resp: 8,07,35
